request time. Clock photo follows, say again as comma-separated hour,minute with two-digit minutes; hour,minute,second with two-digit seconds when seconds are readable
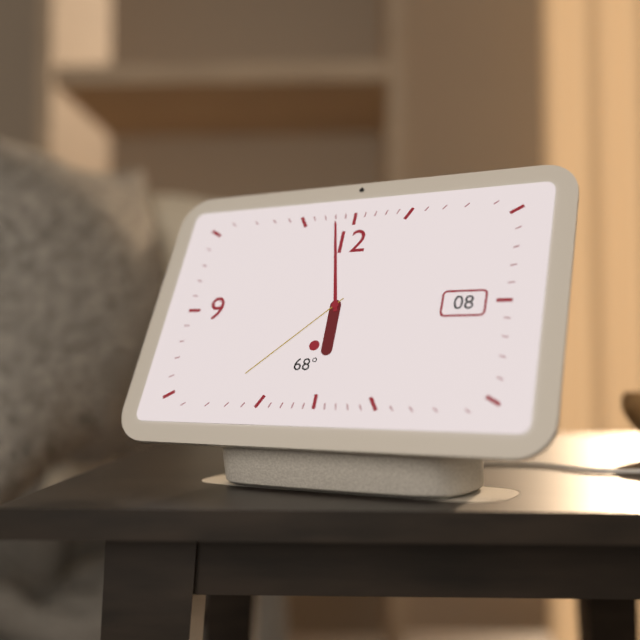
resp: 5,58,38
